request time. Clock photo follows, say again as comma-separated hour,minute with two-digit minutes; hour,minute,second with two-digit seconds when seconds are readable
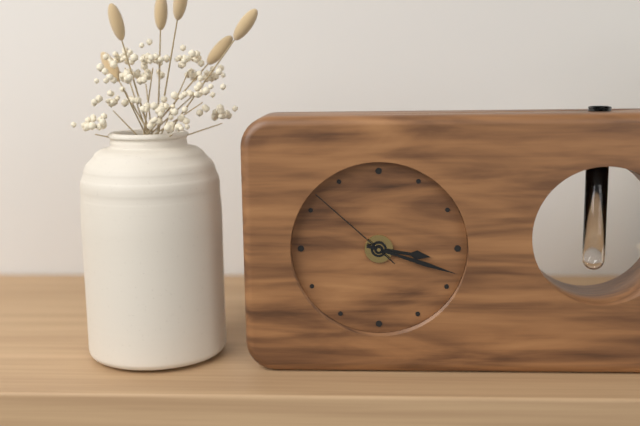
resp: 3,18,52
